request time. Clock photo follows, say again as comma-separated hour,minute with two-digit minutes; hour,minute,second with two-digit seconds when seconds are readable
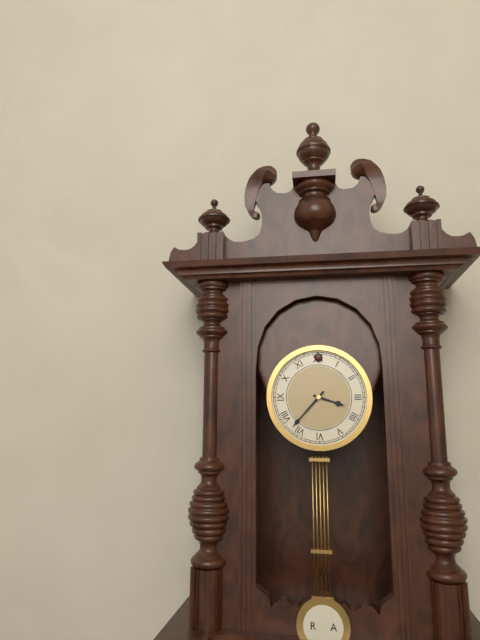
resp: 3,37
